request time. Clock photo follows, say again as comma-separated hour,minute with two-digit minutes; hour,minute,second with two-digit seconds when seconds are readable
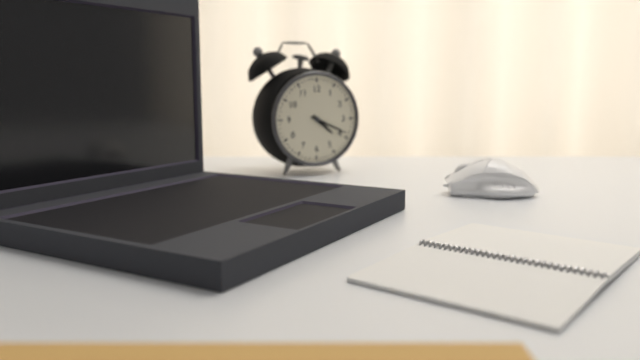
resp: 4,19
